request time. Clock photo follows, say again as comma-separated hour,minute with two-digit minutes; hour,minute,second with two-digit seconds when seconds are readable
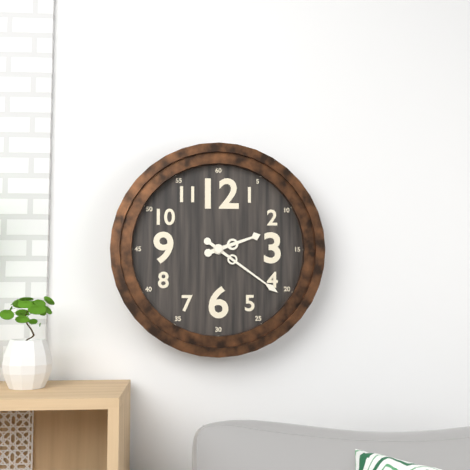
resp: 2,21
